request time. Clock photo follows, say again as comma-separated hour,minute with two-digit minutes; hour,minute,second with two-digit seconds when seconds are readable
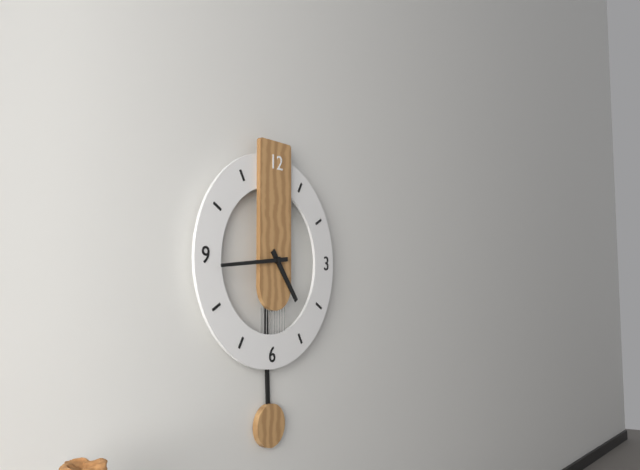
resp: 4,44
